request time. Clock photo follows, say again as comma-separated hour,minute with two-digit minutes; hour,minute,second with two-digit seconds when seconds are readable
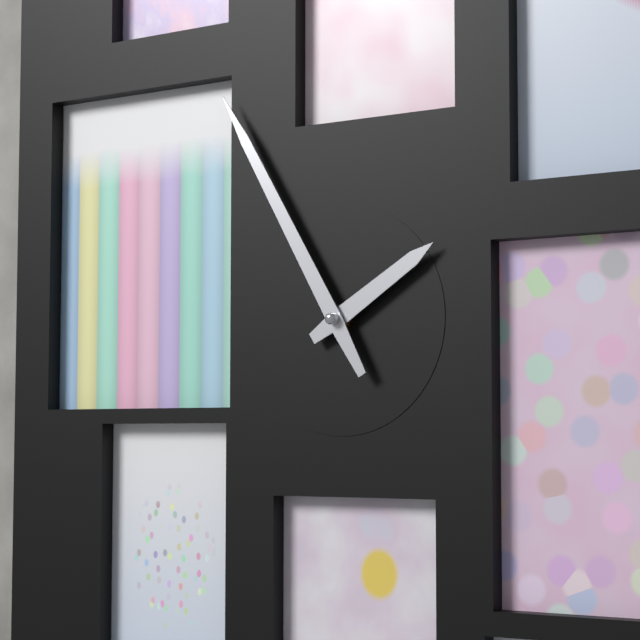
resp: 1,55
